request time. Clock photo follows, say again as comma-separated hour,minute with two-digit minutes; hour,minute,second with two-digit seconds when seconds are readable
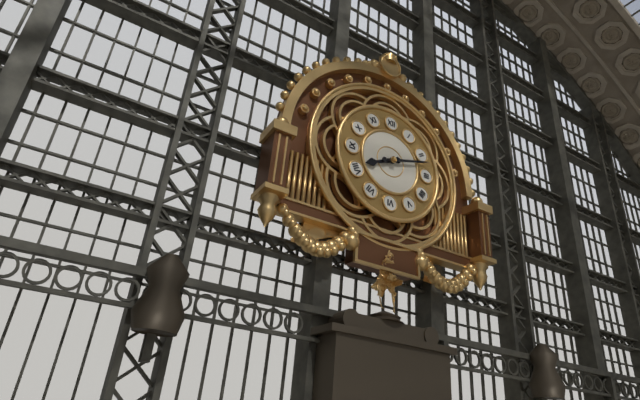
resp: 8,12
